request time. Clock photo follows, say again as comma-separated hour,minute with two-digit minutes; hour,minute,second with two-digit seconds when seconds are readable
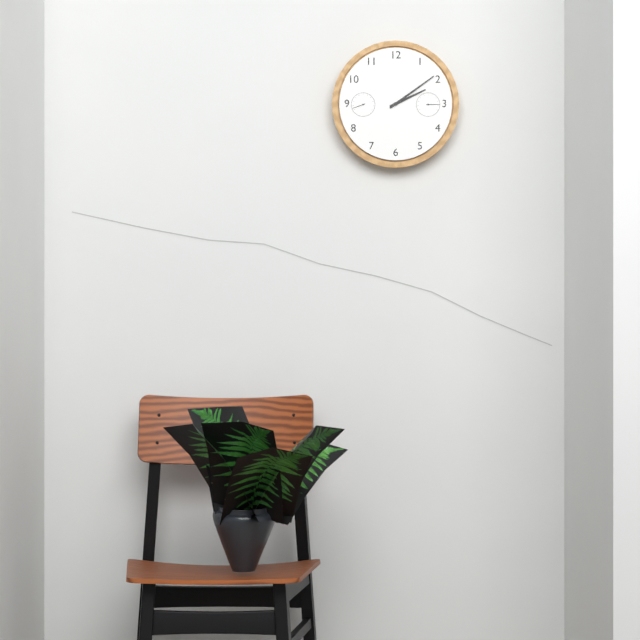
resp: 2,09
